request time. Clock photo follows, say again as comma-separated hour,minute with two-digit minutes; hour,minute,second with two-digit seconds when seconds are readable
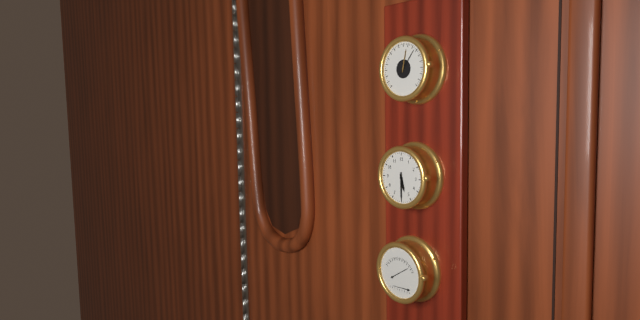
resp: 5,30
